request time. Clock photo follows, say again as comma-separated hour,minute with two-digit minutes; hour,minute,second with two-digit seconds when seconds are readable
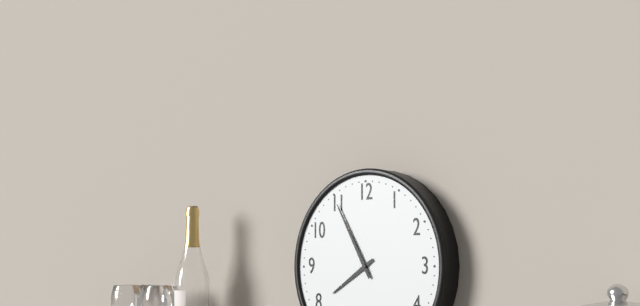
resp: 7,55
